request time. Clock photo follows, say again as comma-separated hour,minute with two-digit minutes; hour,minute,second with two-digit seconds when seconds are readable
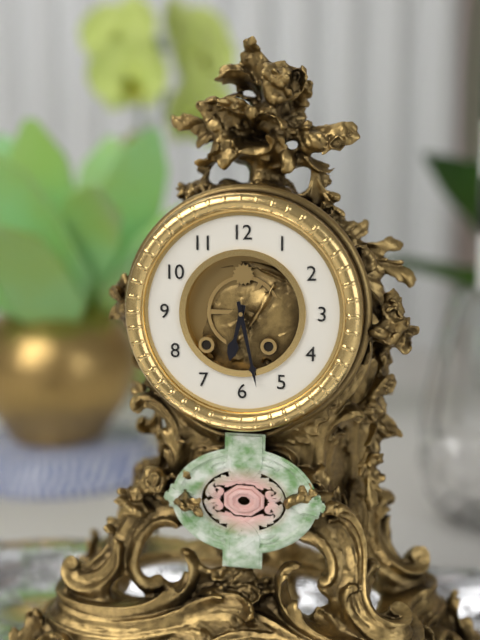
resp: 6,28
